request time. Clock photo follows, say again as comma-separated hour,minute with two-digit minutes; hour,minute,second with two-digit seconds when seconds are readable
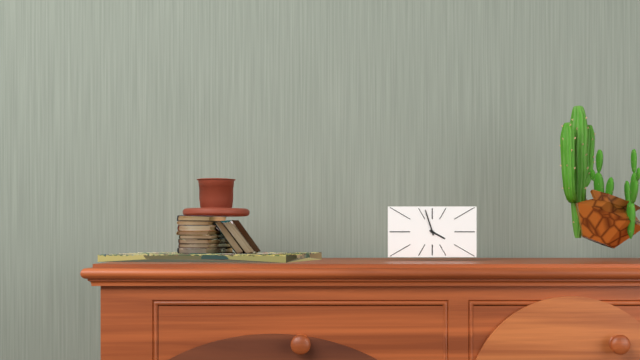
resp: 3,57
